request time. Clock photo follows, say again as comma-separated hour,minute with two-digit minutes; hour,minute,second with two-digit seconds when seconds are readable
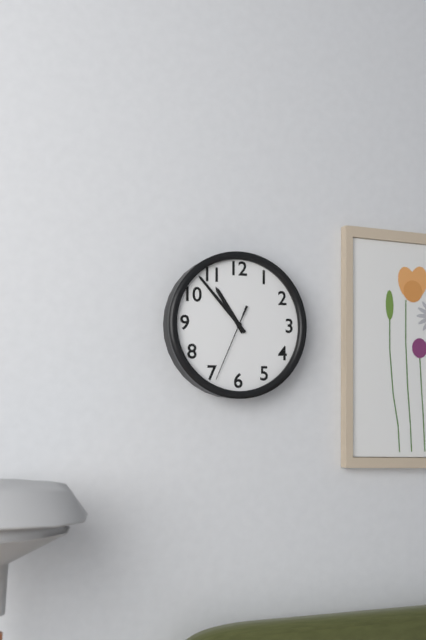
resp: 10,53,34
